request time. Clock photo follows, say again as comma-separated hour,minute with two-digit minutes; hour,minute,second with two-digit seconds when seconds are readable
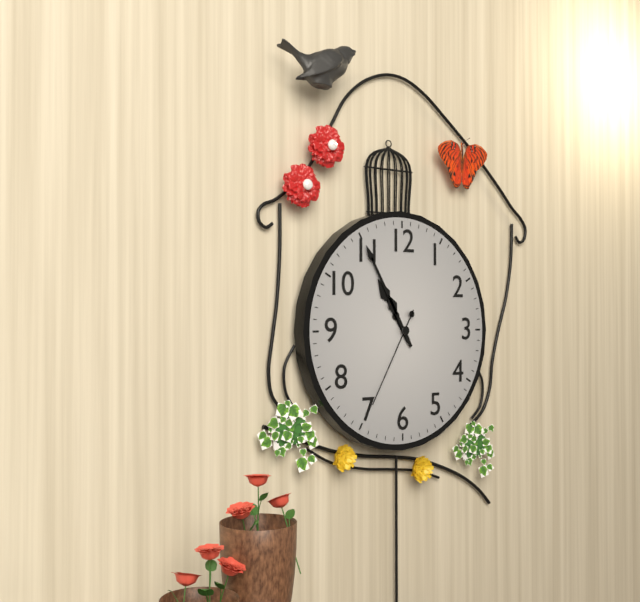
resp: 10,55,35
